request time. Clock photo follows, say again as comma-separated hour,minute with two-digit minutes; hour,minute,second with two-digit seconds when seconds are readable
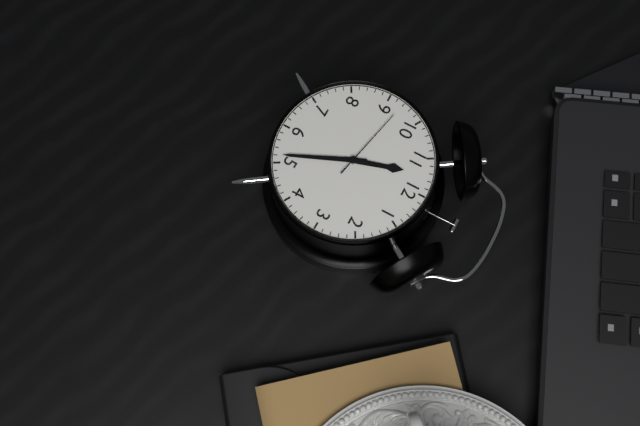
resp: 11,26,47
